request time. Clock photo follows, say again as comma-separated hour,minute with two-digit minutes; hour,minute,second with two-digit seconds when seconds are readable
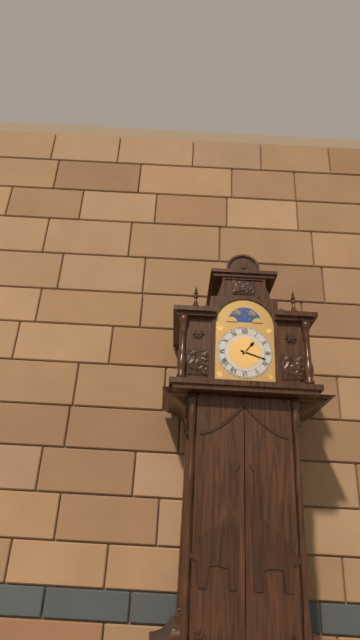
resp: 1,18
